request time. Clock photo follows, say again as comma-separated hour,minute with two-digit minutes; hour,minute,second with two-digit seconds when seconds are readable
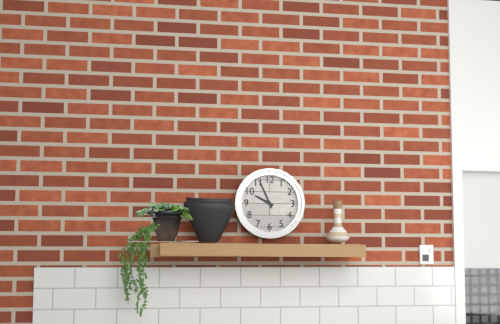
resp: 9,56
